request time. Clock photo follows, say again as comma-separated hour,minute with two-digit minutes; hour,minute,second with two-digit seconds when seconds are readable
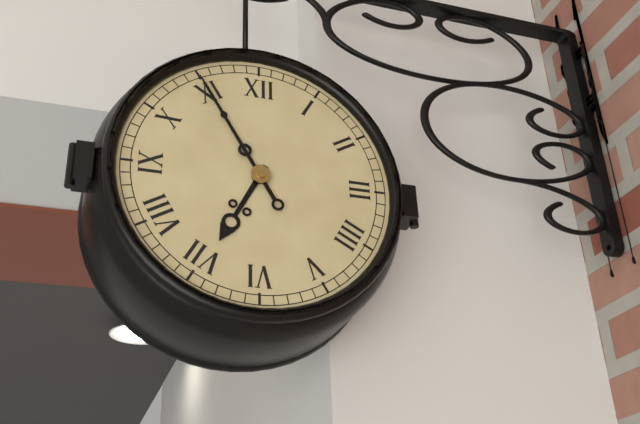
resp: 6,55
